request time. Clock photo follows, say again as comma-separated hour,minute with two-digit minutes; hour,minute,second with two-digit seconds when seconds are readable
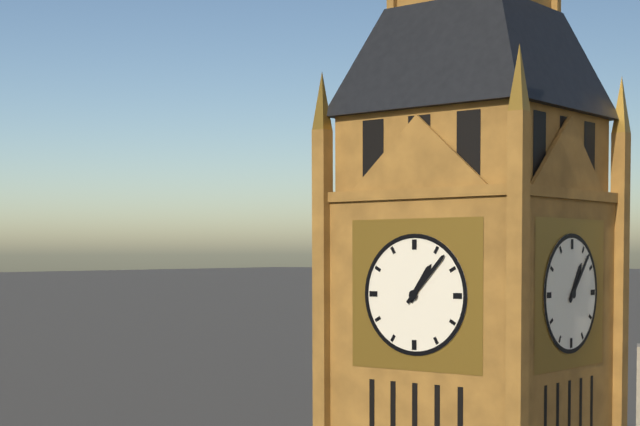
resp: 1,07
